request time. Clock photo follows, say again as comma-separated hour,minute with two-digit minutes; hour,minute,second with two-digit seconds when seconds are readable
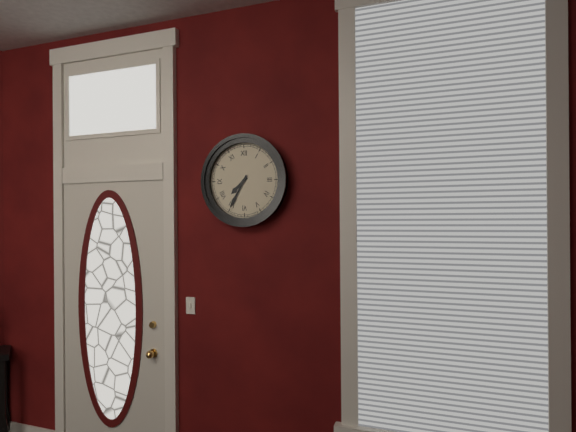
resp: 7,35
